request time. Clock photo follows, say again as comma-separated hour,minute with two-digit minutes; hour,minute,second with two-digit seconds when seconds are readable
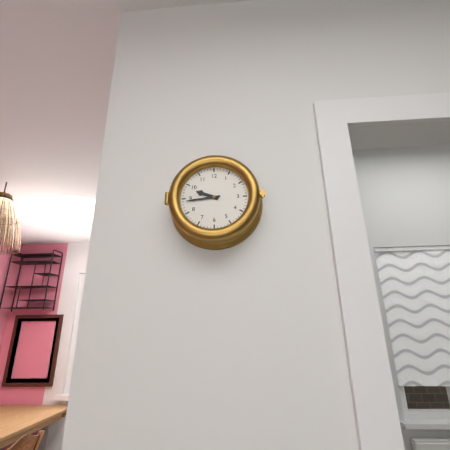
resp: 9,44
